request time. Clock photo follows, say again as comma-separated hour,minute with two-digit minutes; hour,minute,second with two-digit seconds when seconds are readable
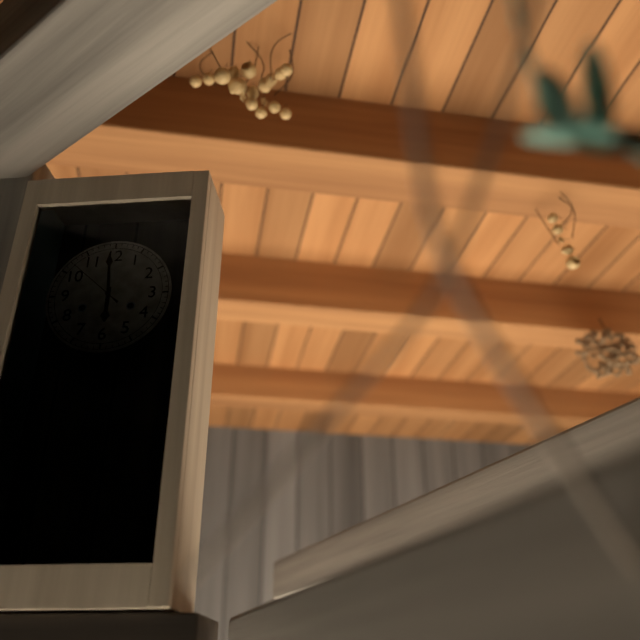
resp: 5,59,52
